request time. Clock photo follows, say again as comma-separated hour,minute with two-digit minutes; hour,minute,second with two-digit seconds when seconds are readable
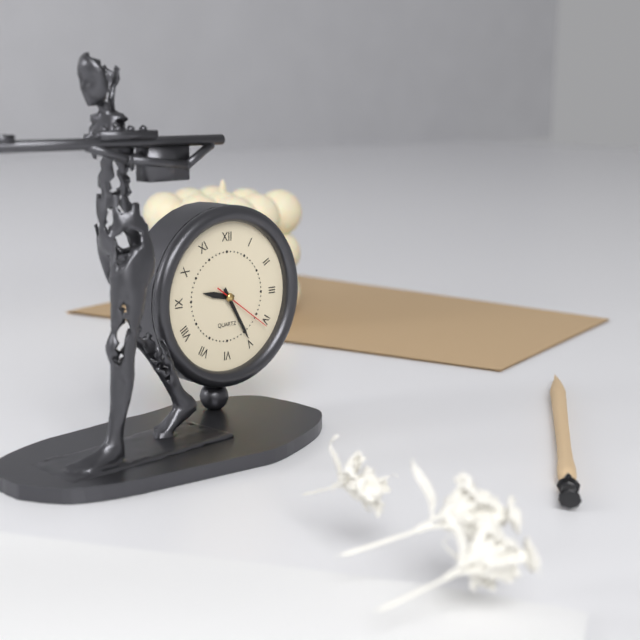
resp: 9,25,21
